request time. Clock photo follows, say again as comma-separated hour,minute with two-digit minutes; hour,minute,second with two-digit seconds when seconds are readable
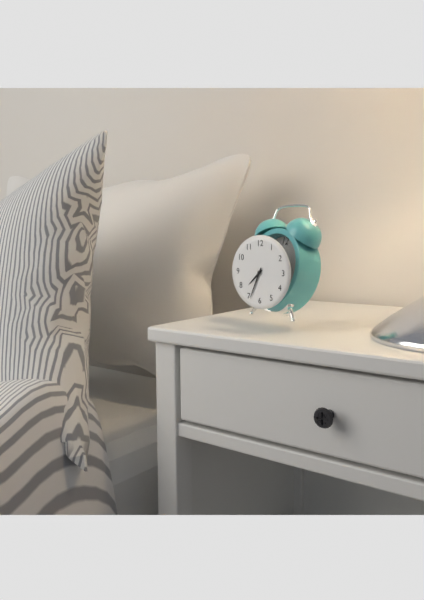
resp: 7,34
